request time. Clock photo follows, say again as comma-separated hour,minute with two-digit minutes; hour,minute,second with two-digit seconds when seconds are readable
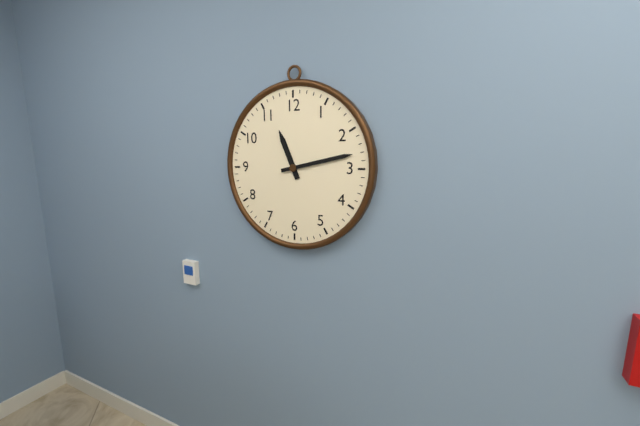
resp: 11,13
